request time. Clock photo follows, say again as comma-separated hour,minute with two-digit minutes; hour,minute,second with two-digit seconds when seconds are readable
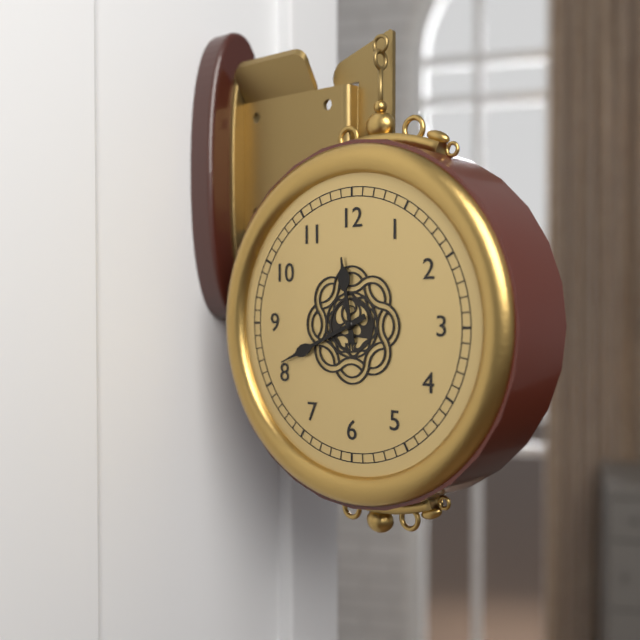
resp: 11,41
